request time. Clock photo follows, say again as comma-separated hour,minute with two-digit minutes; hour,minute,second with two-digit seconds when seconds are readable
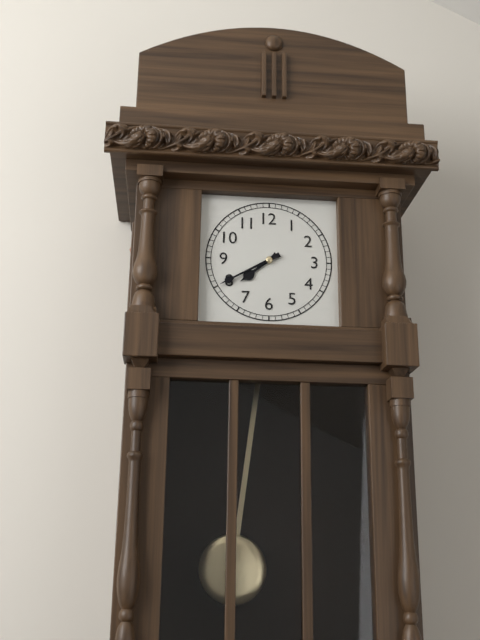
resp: 7,40
